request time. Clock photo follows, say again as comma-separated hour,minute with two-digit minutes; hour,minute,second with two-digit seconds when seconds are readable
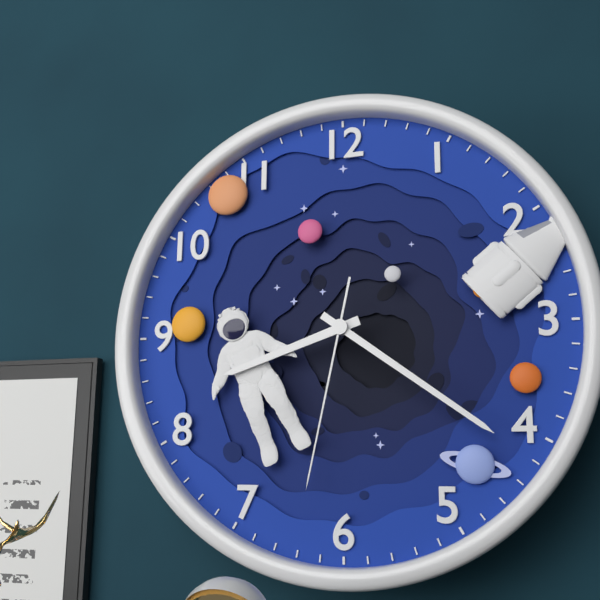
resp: 8,21,32
